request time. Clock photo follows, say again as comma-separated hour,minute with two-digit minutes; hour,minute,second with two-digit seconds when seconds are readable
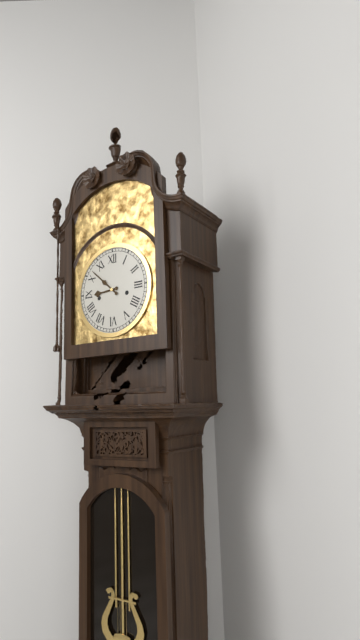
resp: 8,52
